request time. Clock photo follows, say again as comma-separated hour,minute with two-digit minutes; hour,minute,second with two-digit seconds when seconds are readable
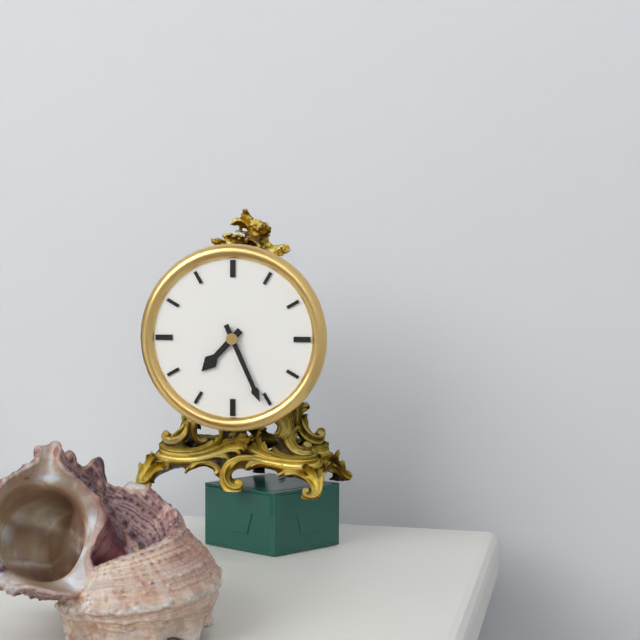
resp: 7,26
